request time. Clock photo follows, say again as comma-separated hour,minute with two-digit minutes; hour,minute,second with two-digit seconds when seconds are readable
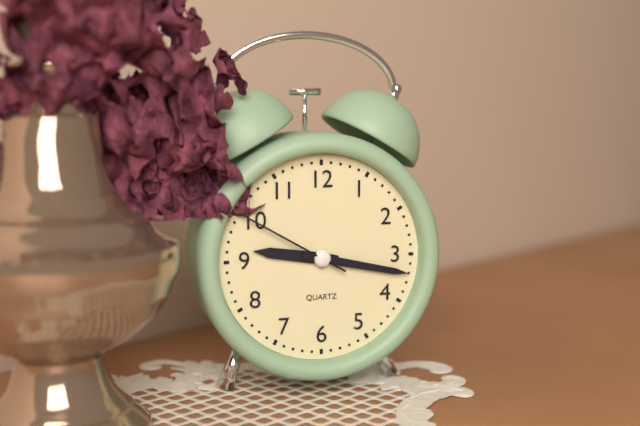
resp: 9,17,50
